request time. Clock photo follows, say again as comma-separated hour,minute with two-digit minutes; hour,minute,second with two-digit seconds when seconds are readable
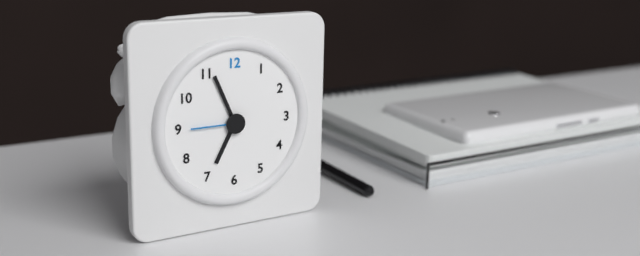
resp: 6,56,45
